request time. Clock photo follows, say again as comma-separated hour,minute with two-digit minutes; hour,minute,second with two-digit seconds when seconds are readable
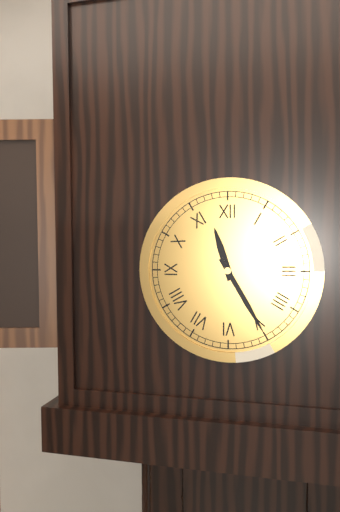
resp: 11,25
